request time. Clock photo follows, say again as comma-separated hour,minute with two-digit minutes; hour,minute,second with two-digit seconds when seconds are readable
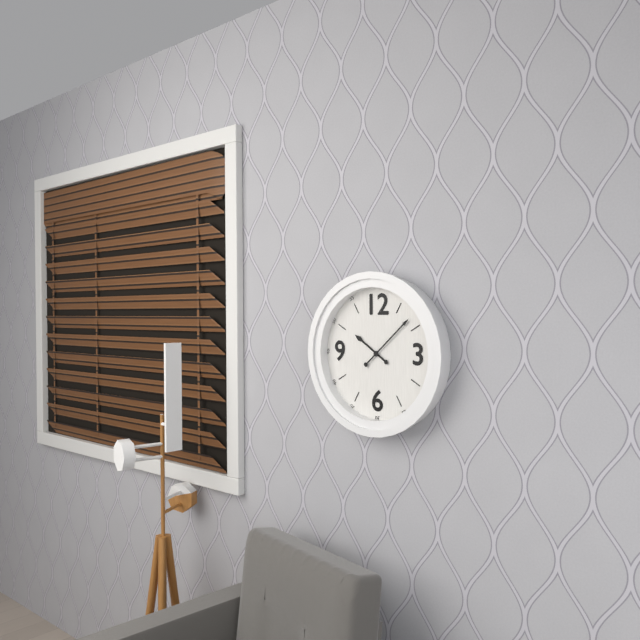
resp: 10,08
